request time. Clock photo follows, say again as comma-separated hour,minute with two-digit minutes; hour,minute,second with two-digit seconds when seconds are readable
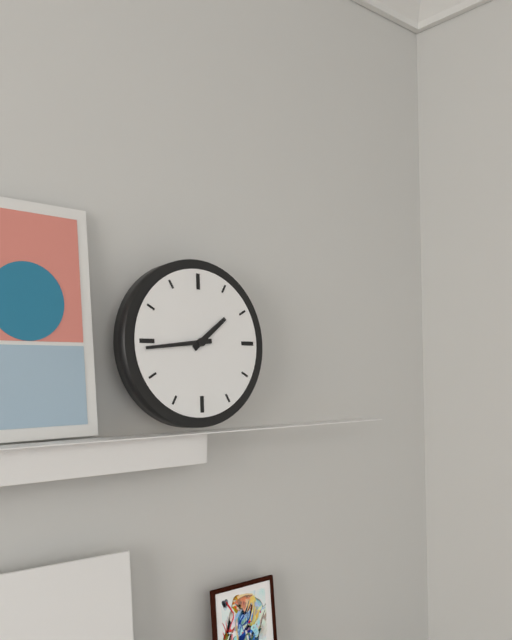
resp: 1,44
